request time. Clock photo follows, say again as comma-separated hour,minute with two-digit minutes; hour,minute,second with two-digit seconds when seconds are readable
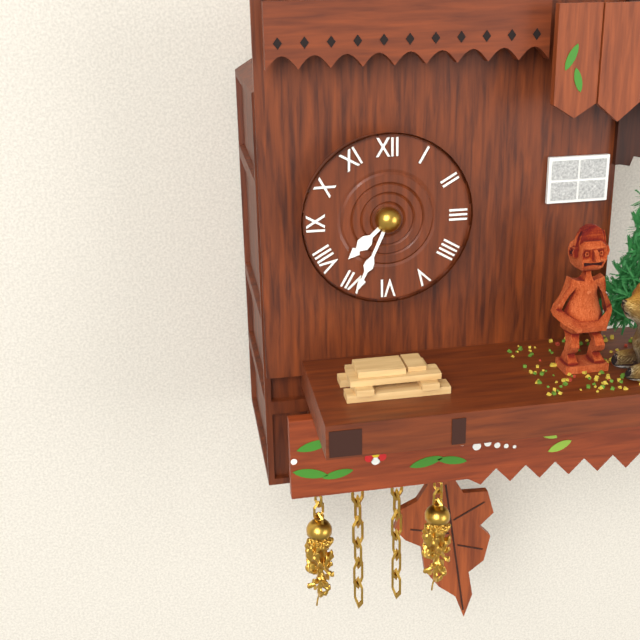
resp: 7,34
